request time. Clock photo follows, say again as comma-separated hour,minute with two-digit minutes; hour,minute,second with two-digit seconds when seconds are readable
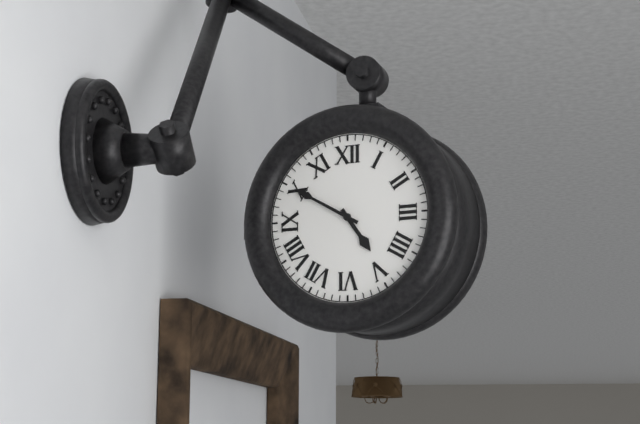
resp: 4,50
